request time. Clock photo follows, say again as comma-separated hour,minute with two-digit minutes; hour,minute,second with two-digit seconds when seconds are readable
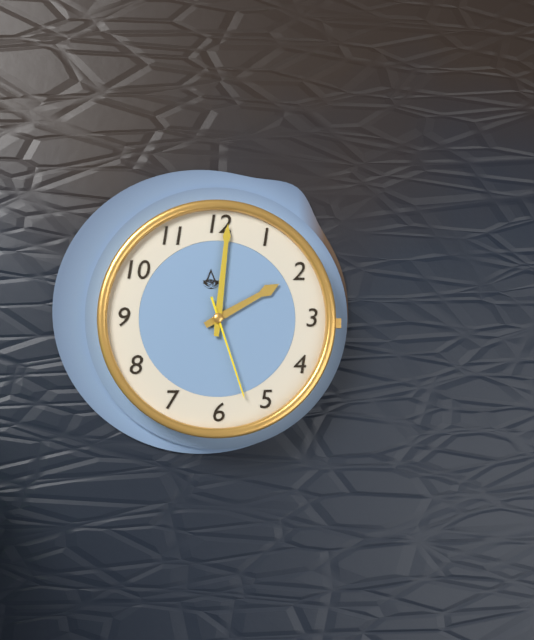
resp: 2,01,27
